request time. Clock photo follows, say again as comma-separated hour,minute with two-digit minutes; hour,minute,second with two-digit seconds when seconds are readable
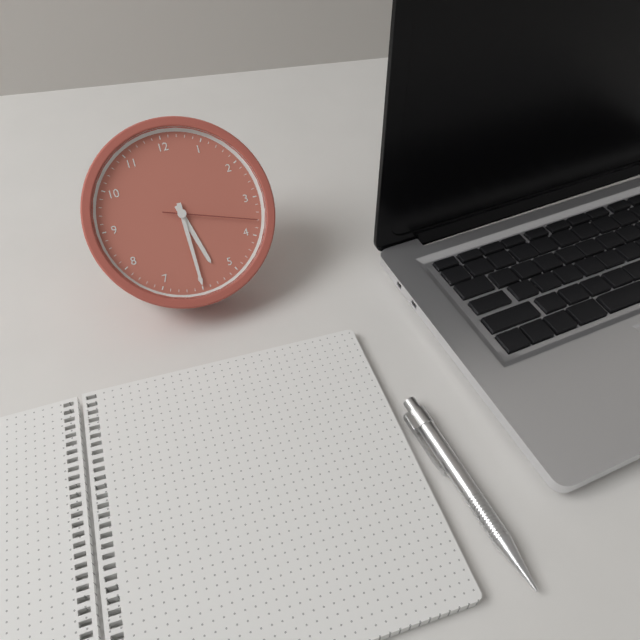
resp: 5,30,18
